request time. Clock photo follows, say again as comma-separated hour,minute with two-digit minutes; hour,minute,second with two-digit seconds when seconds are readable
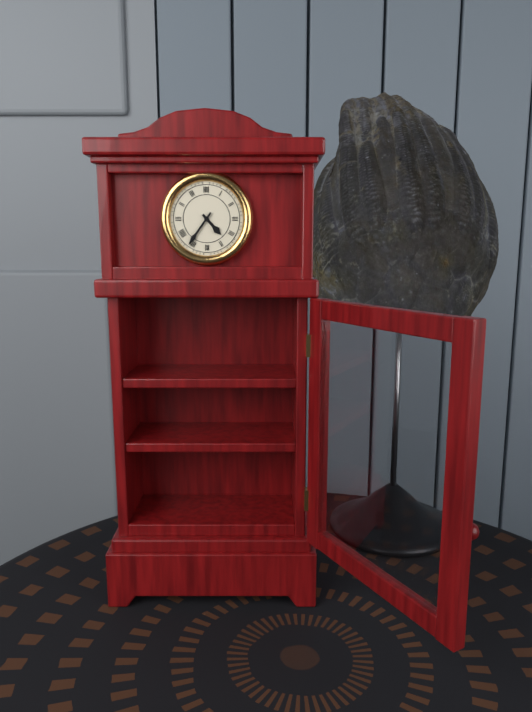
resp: 4,36
